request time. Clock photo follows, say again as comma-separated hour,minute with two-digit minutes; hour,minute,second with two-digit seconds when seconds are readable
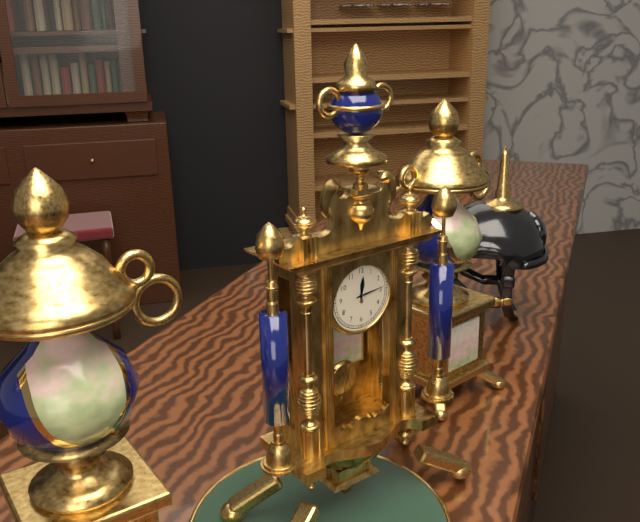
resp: 12,14
